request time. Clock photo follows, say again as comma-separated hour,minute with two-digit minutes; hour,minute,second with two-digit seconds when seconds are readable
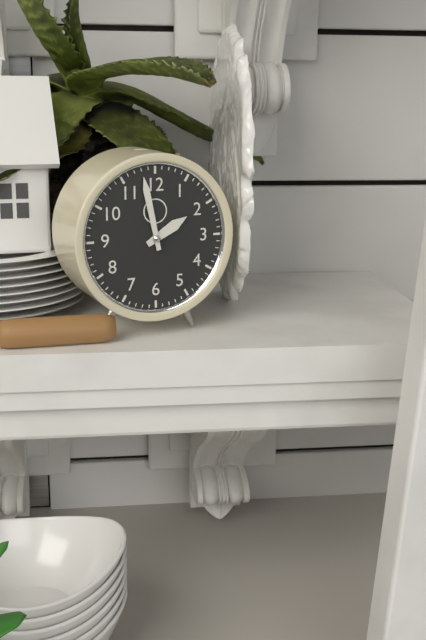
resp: 1,58
